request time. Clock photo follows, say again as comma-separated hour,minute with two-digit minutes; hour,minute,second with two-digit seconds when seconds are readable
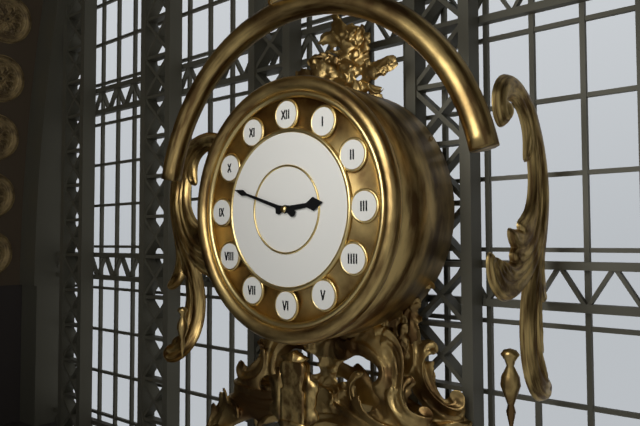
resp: 2,48
